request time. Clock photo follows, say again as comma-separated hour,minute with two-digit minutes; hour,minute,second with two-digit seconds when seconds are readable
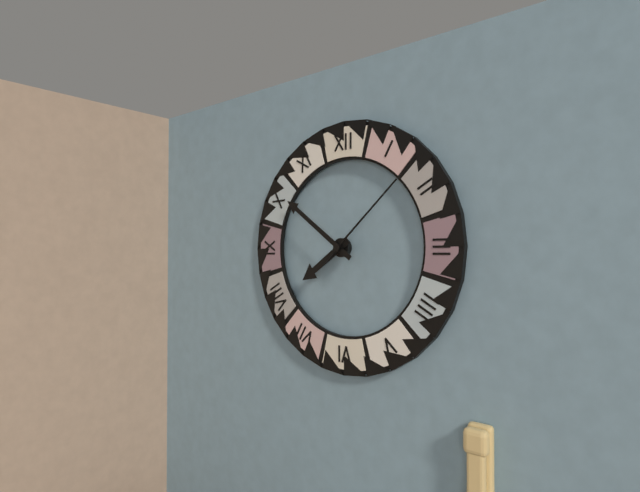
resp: 7,51,08
